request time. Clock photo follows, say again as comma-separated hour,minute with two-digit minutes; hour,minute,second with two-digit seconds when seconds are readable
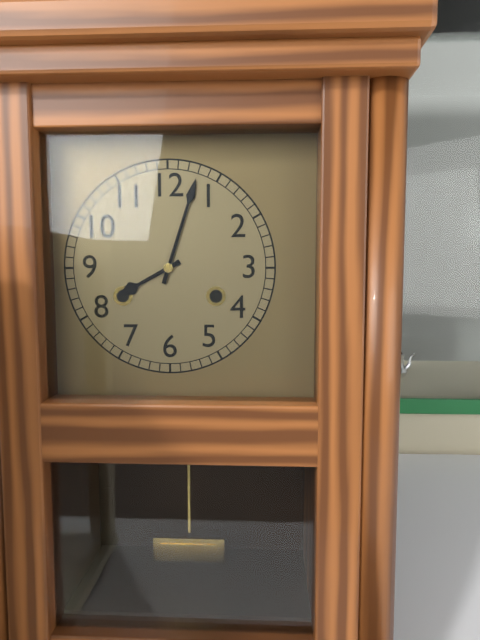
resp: 8,03
